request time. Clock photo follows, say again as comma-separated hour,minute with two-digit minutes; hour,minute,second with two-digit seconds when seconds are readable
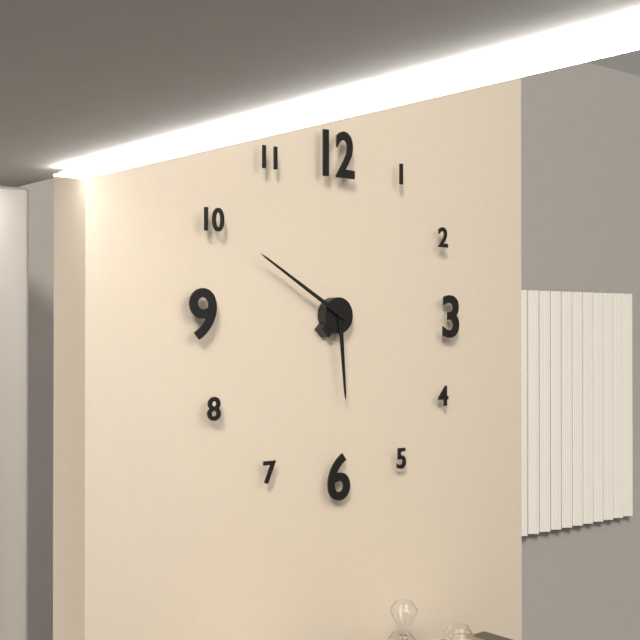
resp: 5,50
